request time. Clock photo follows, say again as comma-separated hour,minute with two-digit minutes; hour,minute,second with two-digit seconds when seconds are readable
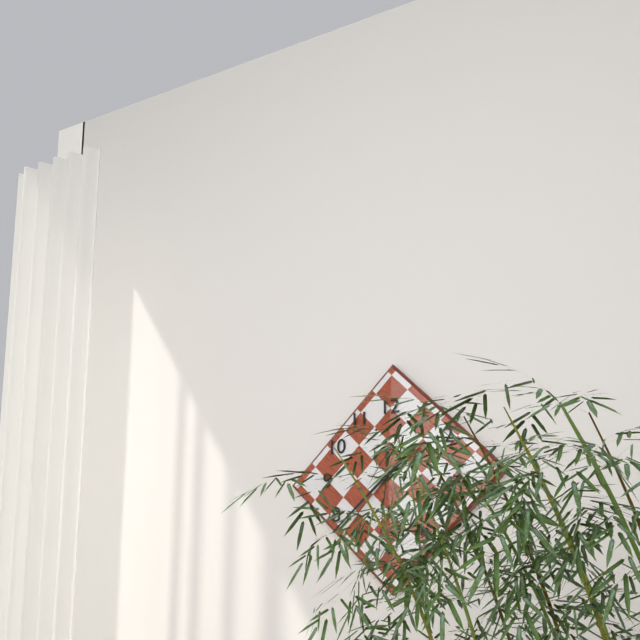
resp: 1,38,31
